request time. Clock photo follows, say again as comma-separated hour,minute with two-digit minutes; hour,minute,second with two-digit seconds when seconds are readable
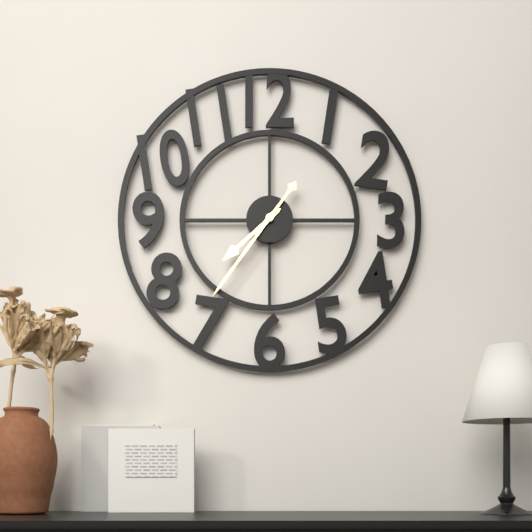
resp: 7,36
